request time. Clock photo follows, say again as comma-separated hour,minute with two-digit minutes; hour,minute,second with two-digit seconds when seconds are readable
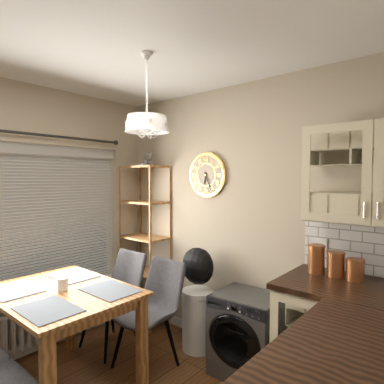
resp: 6,26
